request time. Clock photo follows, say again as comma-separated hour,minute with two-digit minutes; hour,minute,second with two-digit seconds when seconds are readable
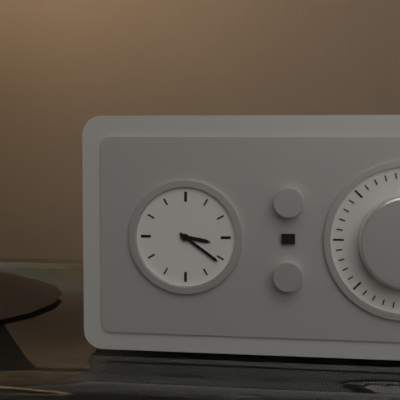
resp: 3,21
